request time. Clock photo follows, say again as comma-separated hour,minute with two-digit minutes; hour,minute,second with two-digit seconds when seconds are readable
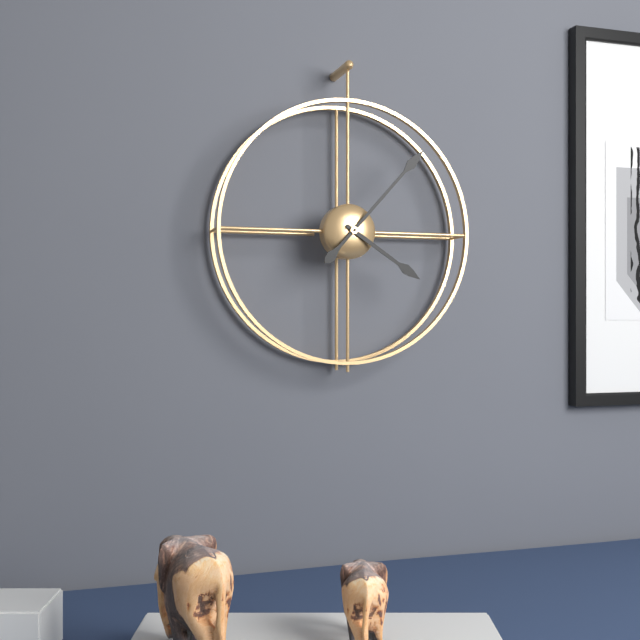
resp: 4,07
